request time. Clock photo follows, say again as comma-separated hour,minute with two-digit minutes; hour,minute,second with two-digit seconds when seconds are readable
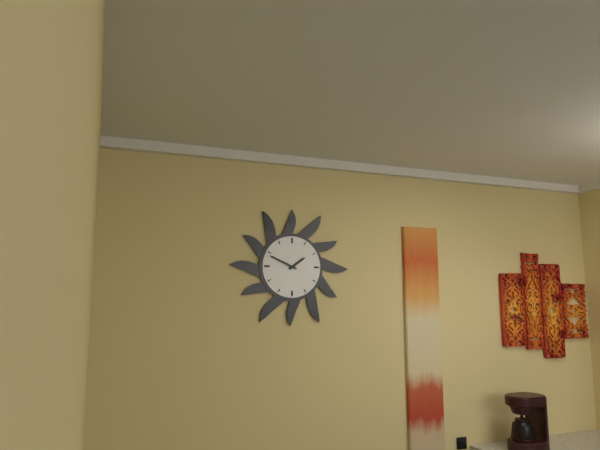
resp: 1,49
